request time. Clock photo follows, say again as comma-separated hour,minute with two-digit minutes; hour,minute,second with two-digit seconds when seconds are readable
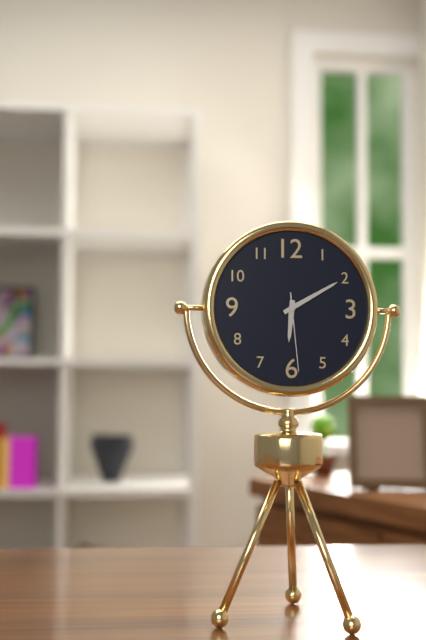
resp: 6,10,29
